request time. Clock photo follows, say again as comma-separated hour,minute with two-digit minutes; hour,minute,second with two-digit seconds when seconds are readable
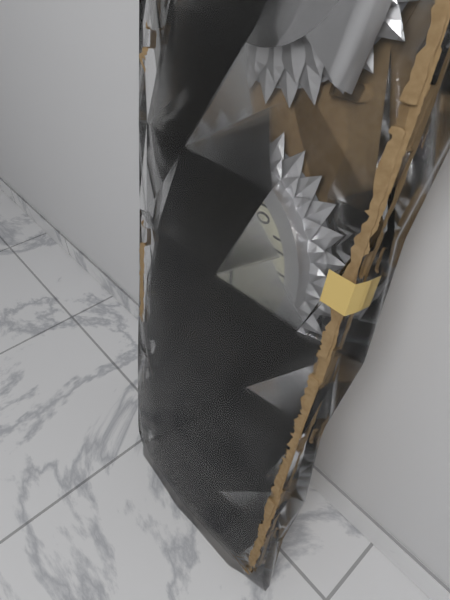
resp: 7,13
